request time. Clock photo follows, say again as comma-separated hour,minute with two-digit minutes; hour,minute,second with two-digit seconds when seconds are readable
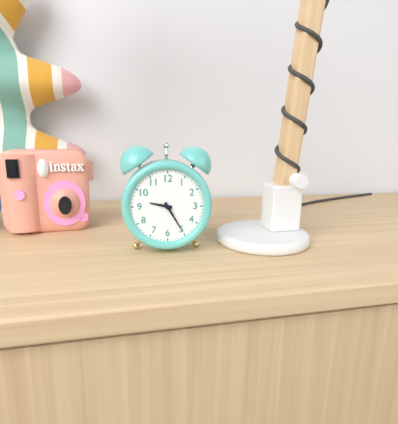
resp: 9,25
